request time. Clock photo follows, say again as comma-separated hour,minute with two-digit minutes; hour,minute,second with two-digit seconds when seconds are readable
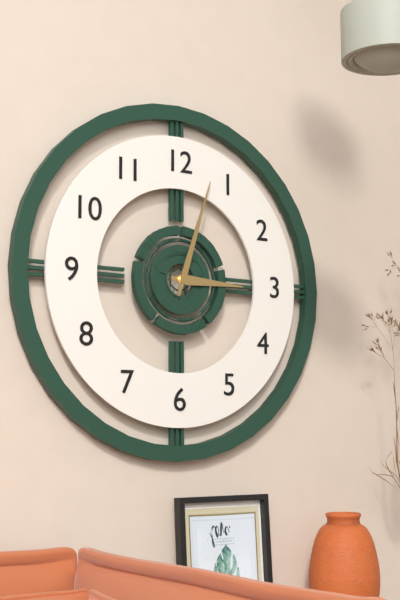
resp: 3,03
